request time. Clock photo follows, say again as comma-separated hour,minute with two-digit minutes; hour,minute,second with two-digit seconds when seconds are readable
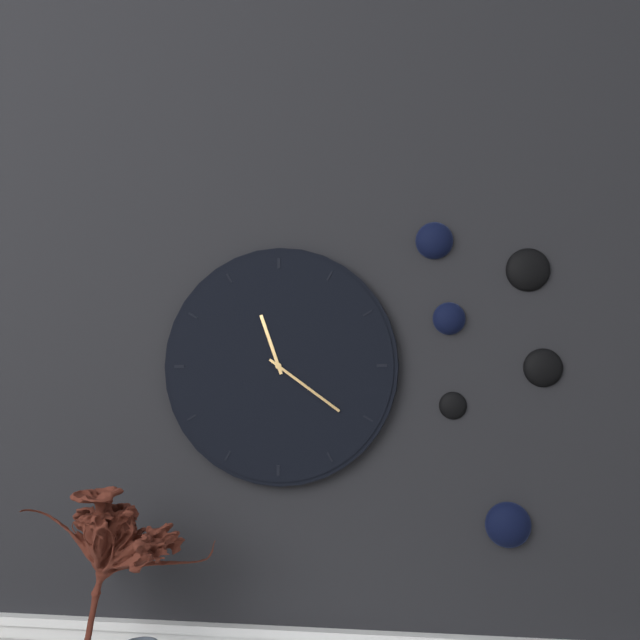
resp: 11,21
